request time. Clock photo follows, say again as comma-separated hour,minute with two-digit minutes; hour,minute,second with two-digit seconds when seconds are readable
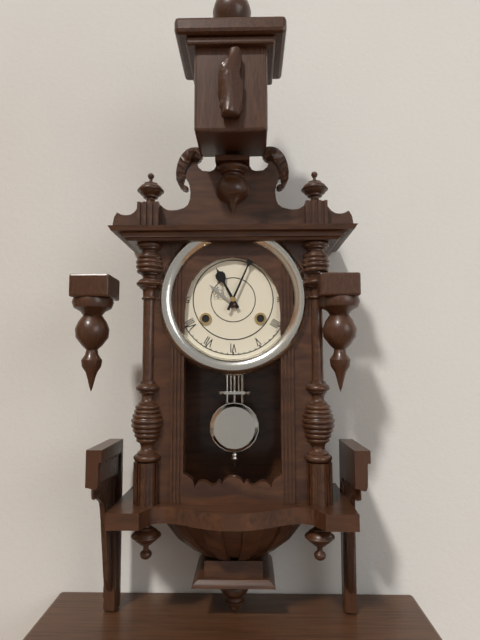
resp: 11,04
